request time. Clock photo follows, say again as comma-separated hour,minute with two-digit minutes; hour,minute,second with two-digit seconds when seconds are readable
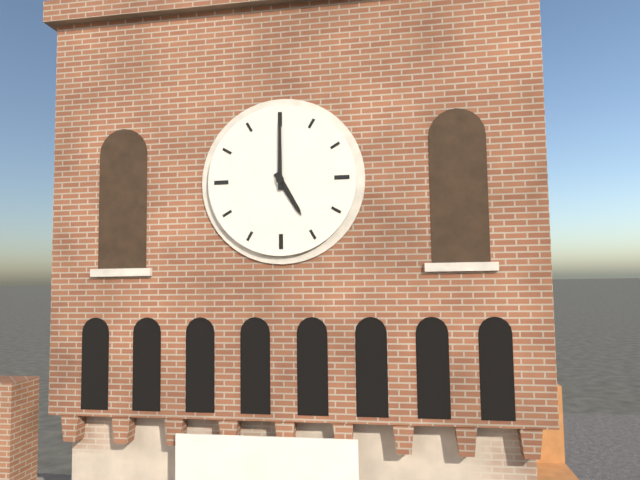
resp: 5,00
